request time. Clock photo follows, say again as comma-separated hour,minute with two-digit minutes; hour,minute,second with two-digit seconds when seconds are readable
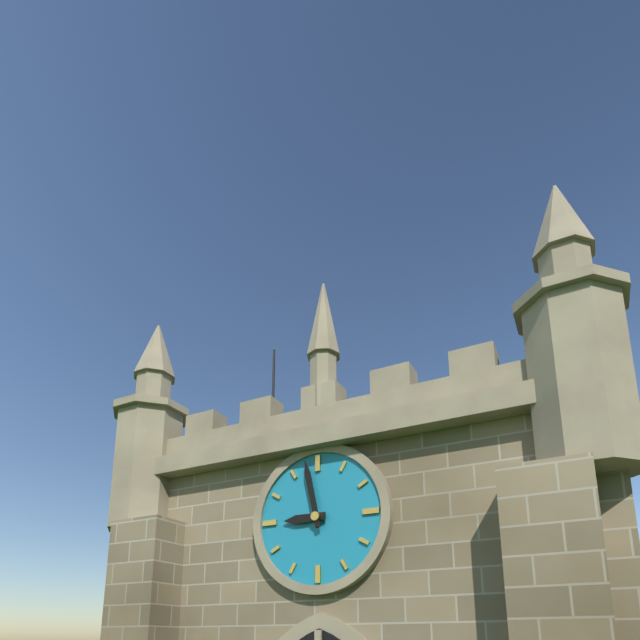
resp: 8,58
